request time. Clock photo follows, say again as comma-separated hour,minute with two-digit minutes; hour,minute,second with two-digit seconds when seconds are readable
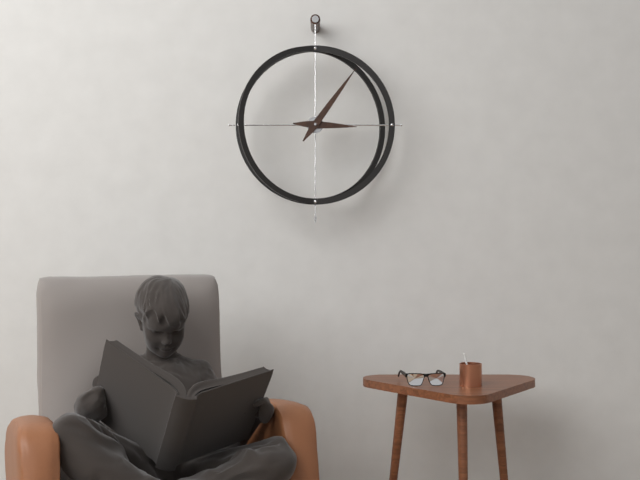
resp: 3,06
